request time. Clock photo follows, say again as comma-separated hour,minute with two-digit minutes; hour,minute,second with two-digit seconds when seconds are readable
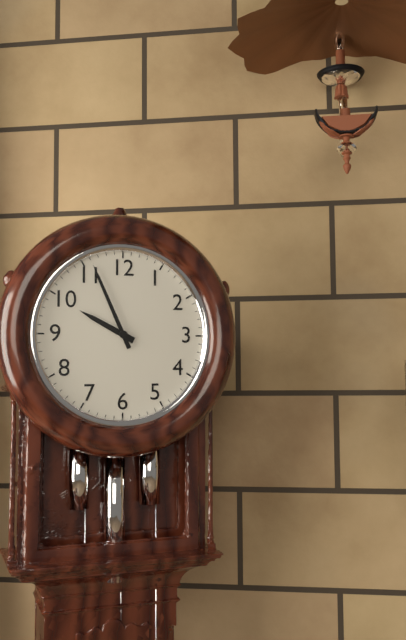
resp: 9,56
